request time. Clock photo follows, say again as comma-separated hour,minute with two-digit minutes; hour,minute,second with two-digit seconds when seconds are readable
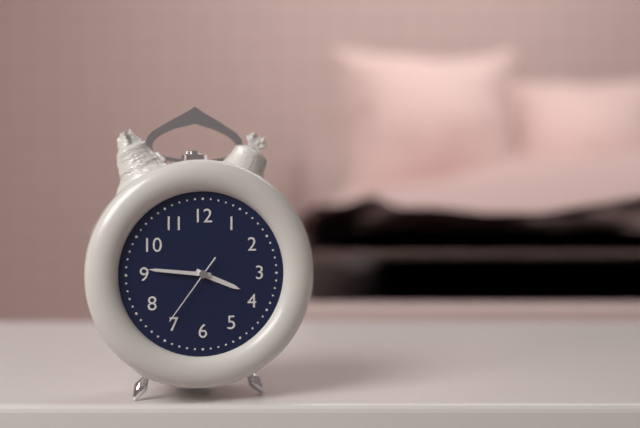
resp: 3,46,36
